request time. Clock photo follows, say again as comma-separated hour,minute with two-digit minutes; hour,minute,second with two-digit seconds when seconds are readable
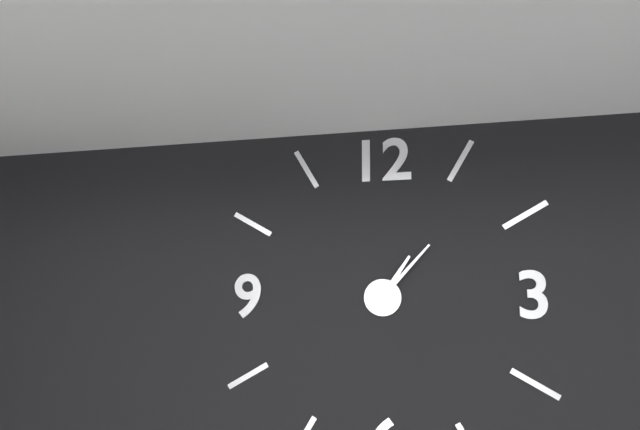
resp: 1,07
